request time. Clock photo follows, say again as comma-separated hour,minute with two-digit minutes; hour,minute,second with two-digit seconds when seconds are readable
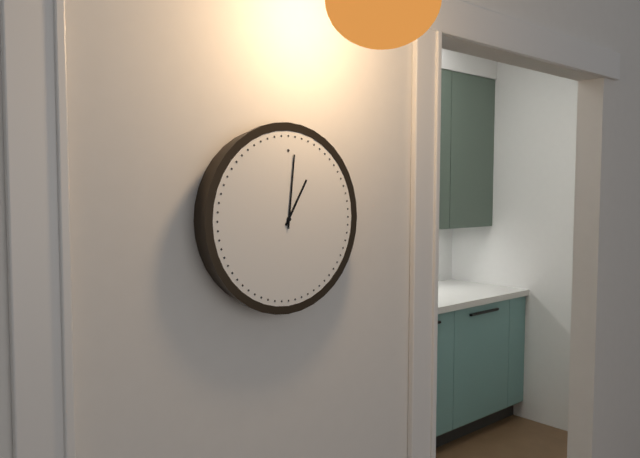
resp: 1,01
